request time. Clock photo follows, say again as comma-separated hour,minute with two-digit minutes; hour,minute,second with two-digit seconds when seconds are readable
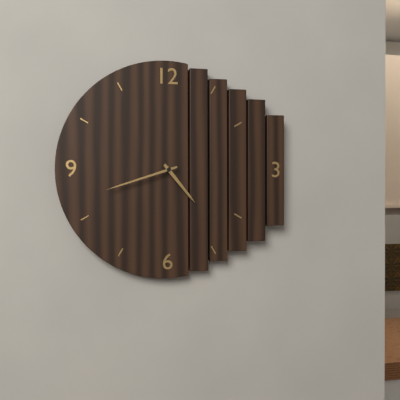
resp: 4,42
